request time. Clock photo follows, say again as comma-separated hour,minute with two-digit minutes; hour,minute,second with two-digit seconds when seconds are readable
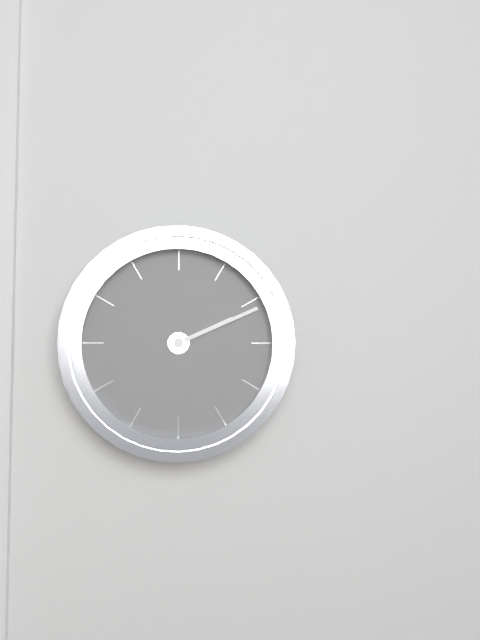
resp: 2,11
